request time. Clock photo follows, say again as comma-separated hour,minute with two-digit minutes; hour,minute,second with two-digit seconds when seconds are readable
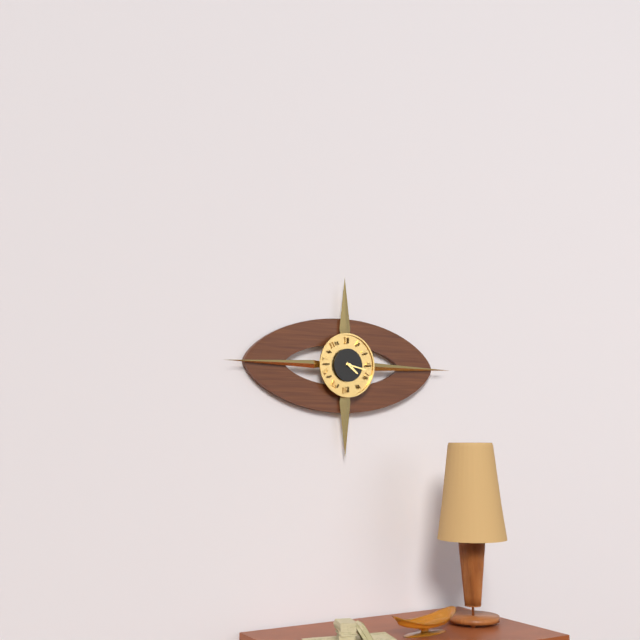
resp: 4,17
